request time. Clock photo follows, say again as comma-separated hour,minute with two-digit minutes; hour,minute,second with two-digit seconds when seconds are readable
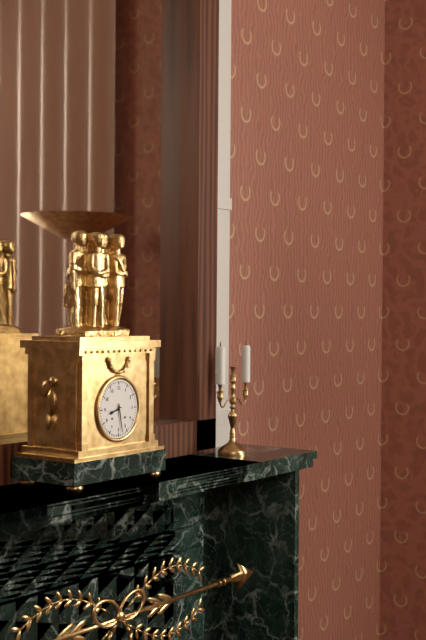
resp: 8,28
